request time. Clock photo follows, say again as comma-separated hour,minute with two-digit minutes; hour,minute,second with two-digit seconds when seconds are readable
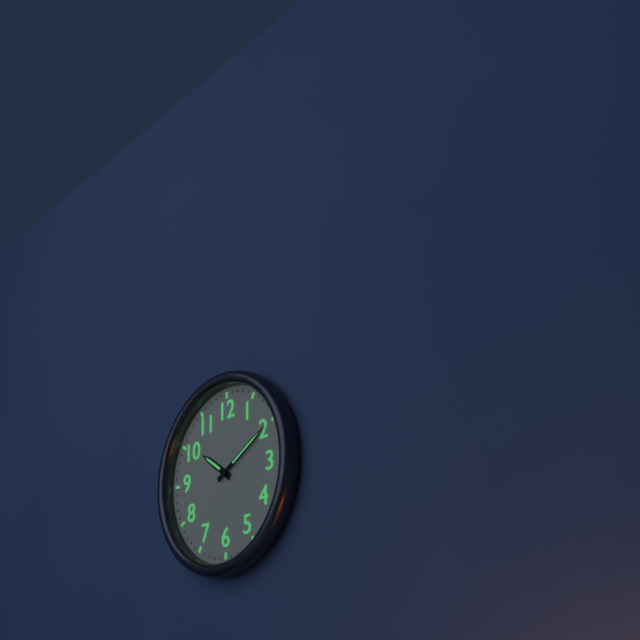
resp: 10,10
